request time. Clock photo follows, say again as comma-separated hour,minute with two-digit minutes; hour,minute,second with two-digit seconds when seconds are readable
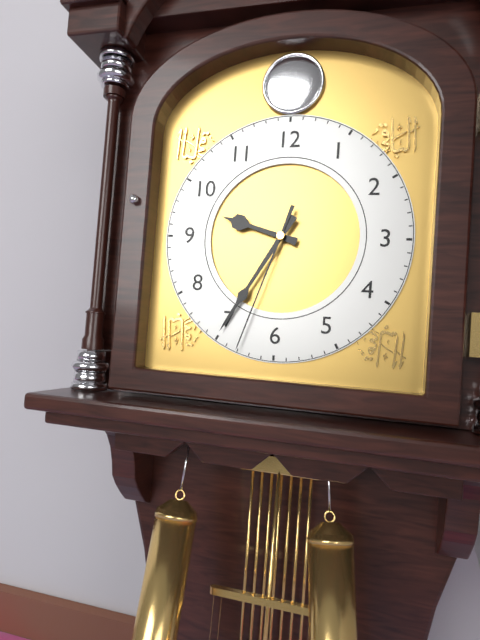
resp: 9,35,33
